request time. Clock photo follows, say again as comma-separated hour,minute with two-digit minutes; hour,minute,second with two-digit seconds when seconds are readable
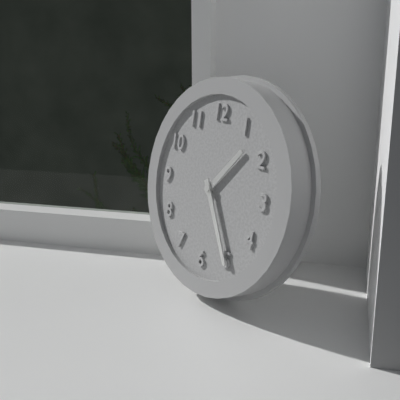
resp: 1,25
